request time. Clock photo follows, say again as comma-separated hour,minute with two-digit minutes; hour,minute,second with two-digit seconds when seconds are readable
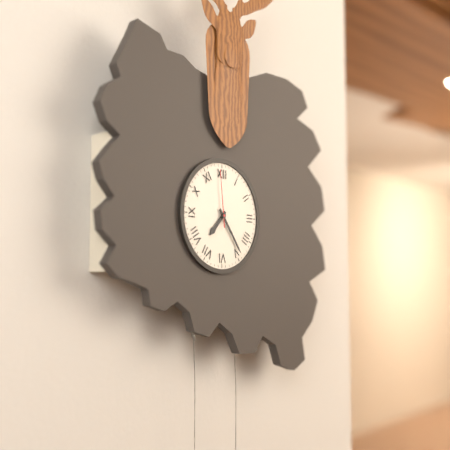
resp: 7,24,59
